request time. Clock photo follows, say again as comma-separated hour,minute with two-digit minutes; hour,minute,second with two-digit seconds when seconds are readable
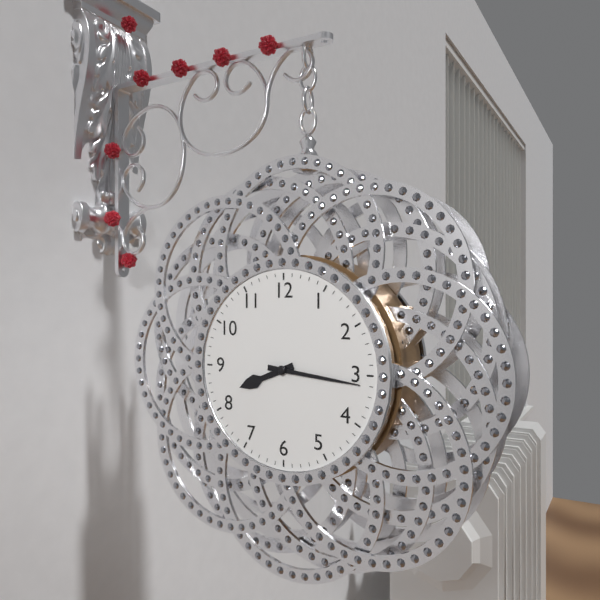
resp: 8,16
